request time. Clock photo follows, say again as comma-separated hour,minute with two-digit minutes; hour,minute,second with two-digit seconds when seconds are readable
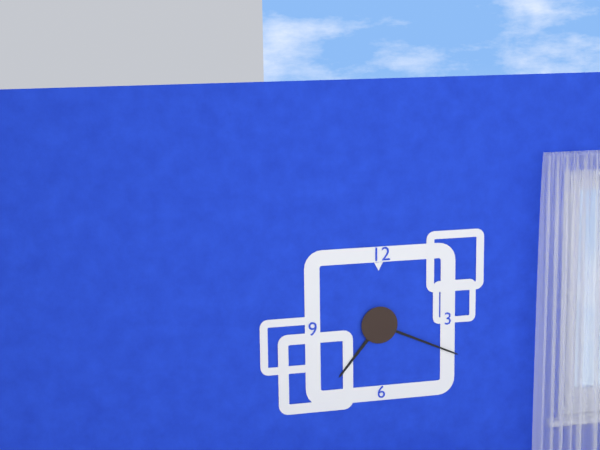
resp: 7,19
